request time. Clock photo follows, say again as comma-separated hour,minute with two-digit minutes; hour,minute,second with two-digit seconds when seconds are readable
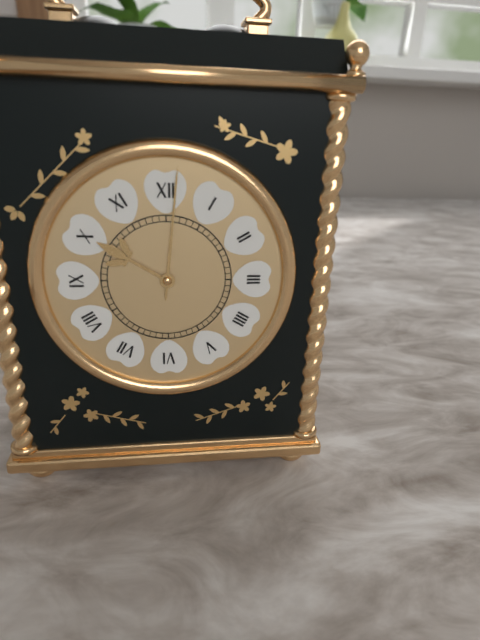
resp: 10,01
